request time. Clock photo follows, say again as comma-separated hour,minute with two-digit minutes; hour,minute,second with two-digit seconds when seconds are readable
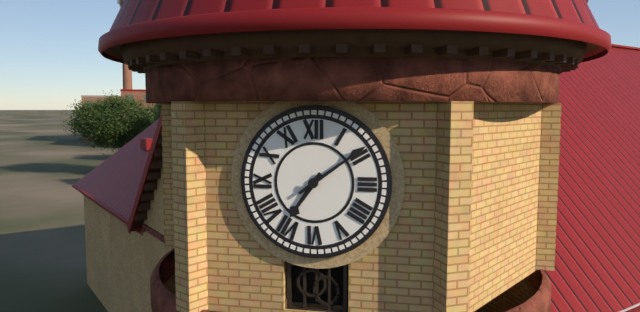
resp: 7,09
